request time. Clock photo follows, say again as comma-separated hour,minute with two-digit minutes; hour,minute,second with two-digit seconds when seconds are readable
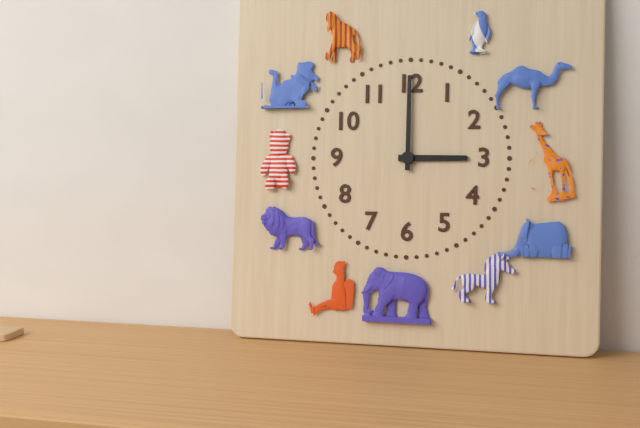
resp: 3,00
